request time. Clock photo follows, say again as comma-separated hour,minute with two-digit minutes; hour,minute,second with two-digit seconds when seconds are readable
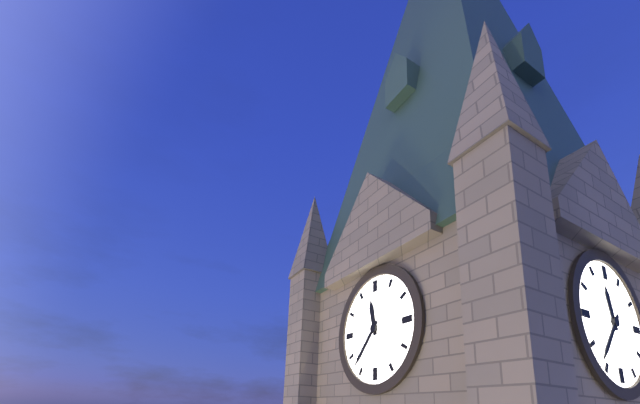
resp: 11,37
